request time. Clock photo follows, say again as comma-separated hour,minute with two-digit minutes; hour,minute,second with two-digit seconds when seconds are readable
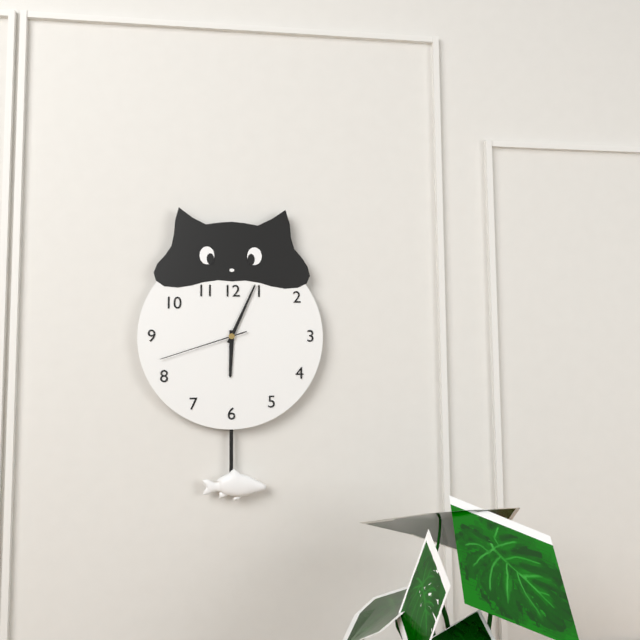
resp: 6,04,42
